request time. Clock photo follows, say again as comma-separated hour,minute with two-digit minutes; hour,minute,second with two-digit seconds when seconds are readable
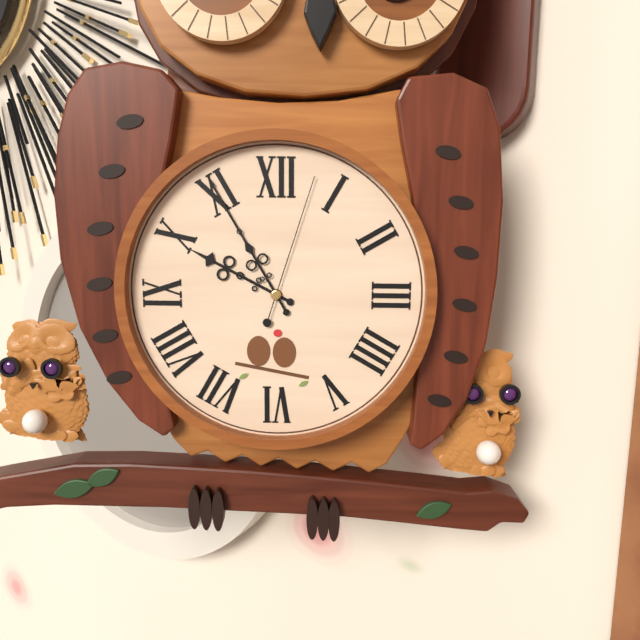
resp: 9,55,03
